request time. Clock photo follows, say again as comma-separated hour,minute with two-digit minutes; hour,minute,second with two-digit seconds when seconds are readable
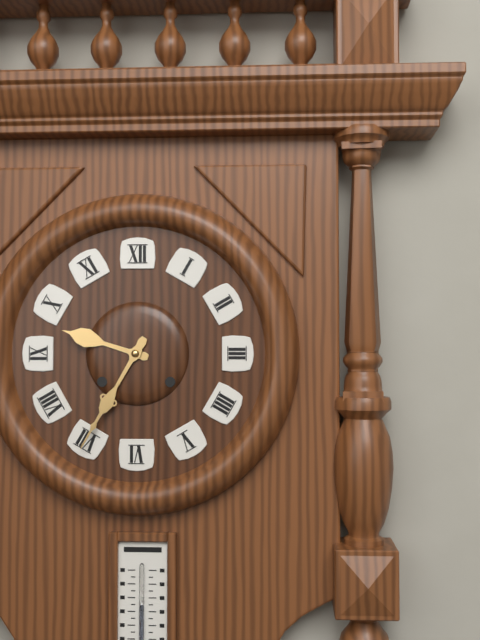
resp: 9,35
